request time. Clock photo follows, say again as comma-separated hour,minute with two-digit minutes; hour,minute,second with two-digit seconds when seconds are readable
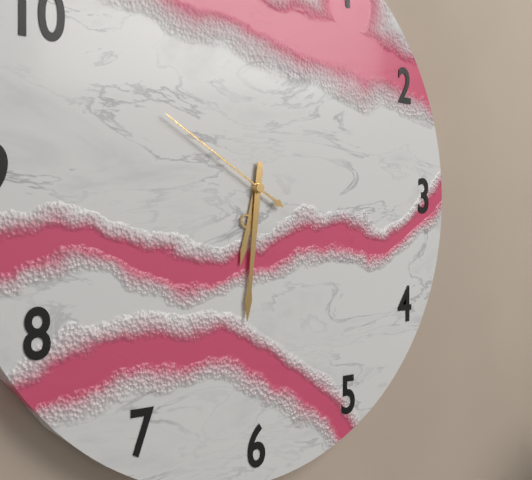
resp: 6,31,50
